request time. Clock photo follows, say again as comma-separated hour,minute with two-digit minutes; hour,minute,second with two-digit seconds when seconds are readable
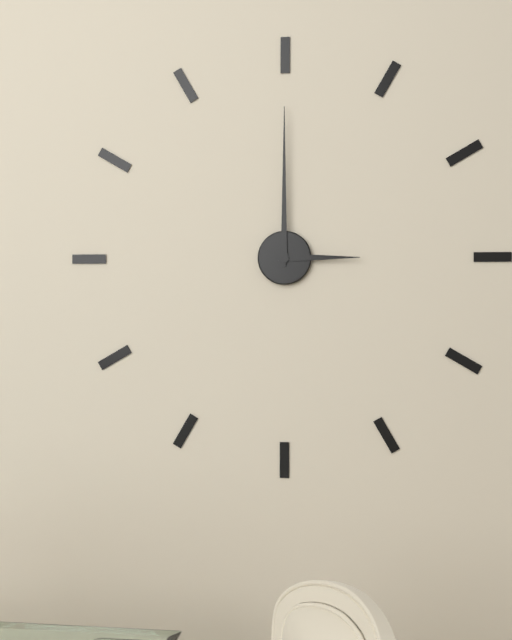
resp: 3,00
